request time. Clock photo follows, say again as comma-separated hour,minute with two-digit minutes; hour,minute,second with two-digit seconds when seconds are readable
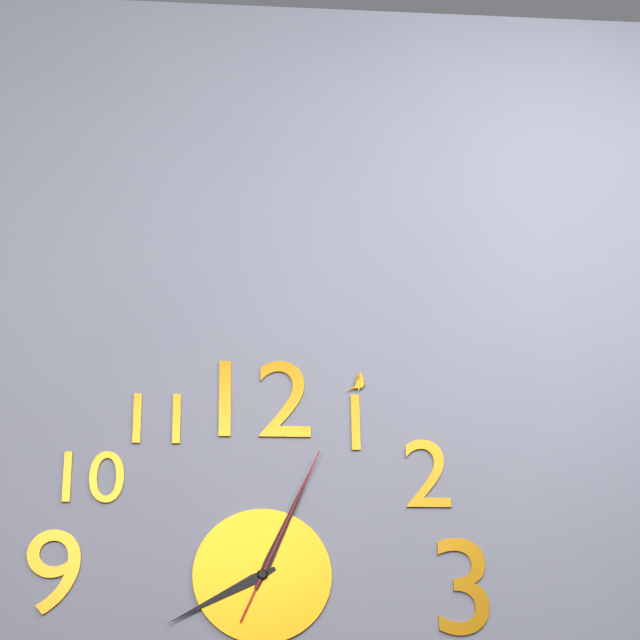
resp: 8,04,04
